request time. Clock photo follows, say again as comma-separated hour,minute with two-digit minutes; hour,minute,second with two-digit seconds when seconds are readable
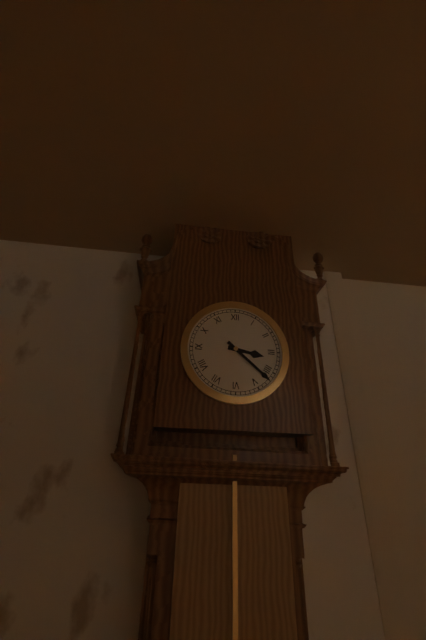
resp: 3,22
